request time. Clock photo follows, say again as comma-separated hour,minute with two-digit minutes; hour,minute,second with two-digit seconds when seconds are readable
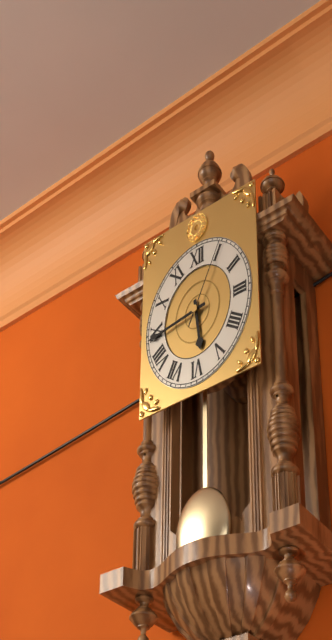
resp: 5,44,05
